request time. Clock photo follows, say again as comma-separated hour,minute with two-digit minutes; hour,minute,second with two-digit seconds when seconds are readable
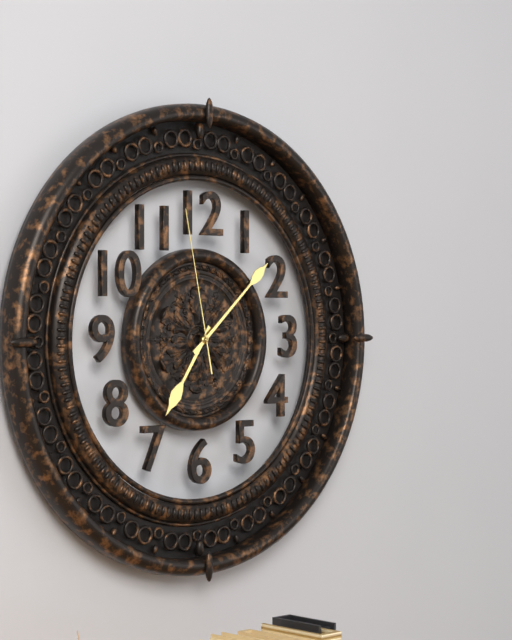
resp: 7,08,58
